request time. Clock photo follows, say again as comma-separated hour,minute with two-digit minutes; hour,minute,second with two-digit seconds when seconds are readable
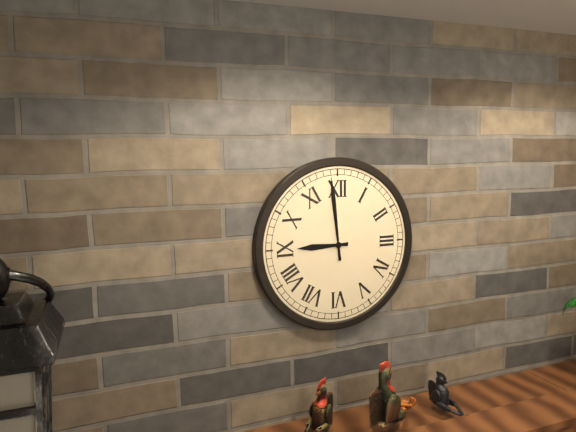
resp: 8,59
